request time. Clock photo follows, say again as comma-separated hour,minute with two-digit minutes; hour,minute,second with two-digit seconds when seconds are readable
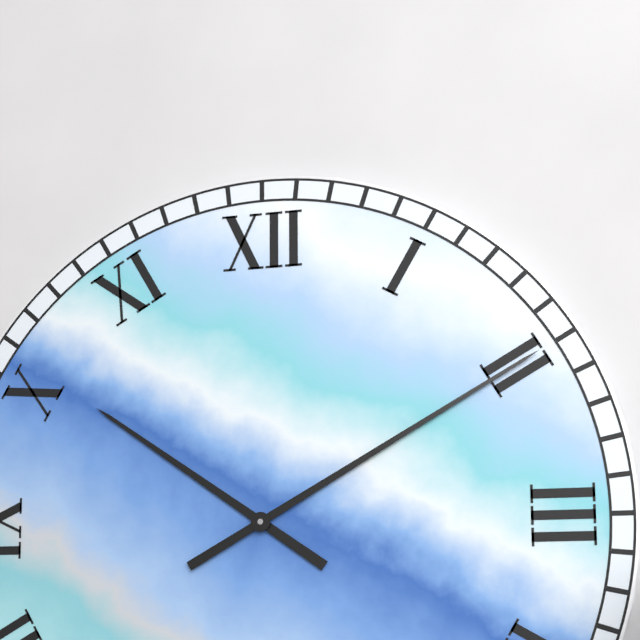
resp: 10,10
